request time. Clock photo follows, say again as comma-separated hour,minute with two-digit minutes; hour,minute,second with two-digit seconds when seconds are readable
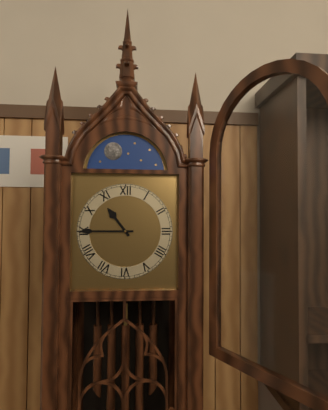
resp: 10,45
